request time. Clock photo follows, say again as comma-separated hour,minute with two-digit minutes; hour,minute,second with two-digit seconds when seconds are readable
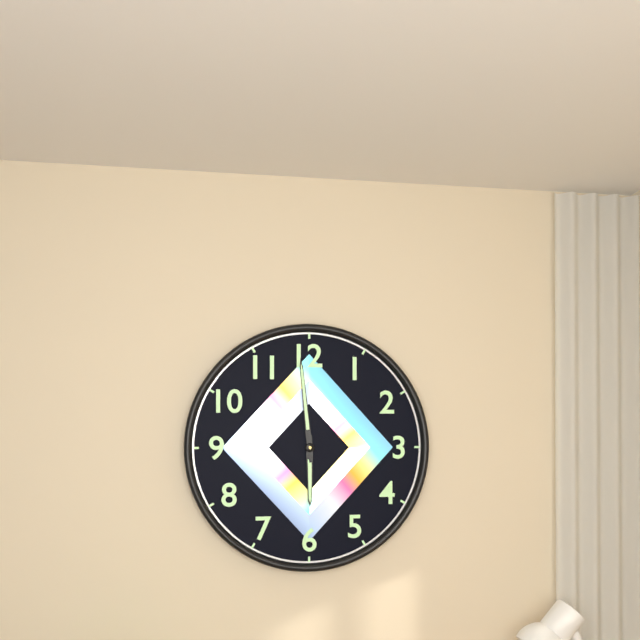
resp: 5,59
